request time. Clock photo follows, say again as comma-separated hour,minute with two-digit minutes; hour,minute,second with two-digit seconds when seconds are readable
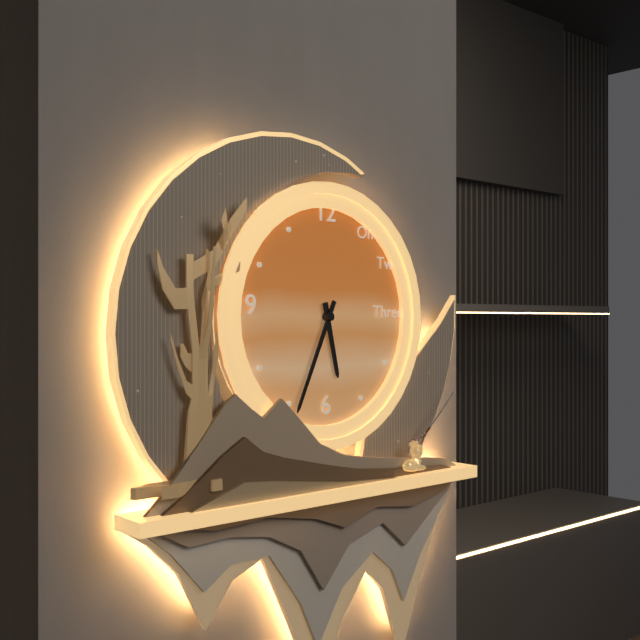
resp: 5,34
